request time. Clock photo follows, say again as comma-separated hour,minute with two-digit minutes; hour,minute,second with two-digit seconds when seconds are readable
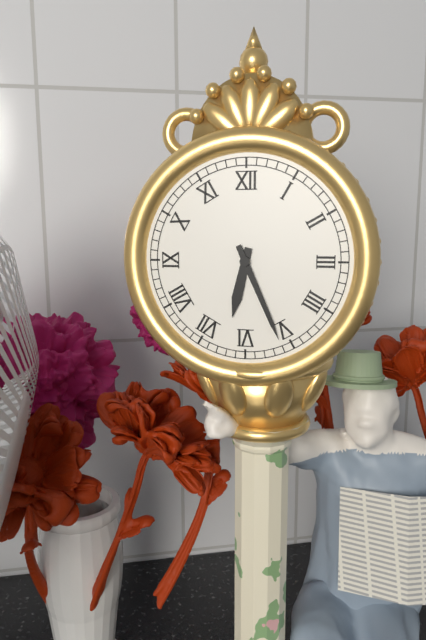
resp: 6,26
